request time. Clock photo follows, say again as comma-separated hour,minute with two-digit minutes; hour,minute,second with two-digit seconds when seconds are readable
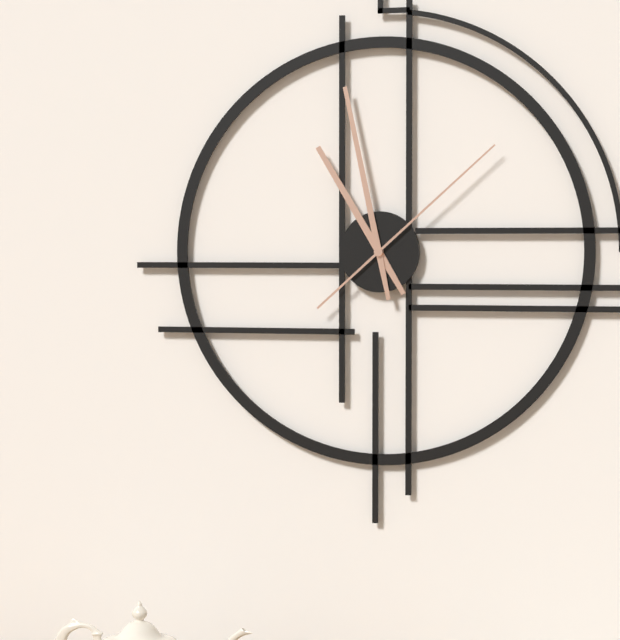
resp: 10,58,08
